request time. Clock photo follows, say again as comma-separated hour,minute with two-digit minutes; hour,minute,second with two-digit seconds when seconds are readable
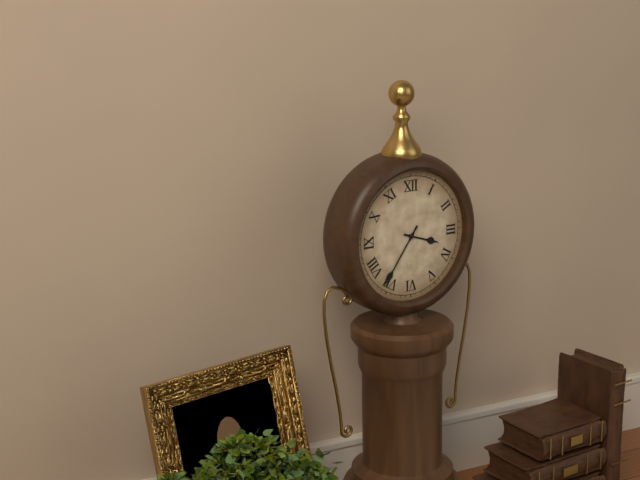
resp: 3,36
